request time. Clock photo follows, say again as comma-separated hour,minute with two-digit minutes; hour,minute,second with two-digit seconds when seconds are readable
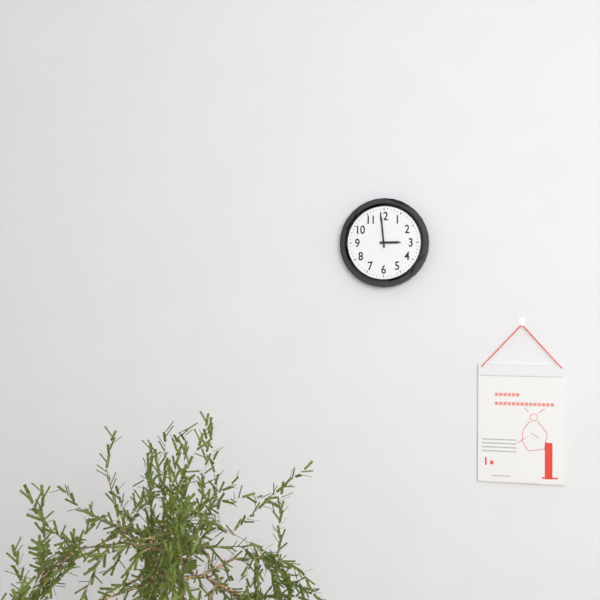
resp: 2,59
